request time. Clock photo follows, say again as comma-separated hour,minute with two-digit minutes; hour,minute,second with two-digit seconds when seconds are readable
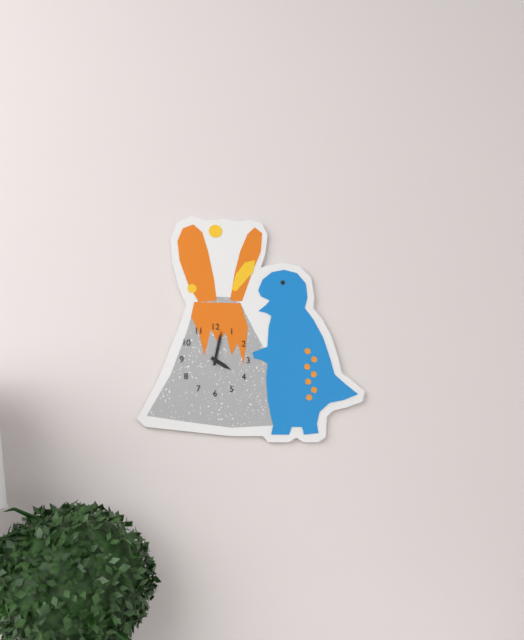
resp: 4,02
